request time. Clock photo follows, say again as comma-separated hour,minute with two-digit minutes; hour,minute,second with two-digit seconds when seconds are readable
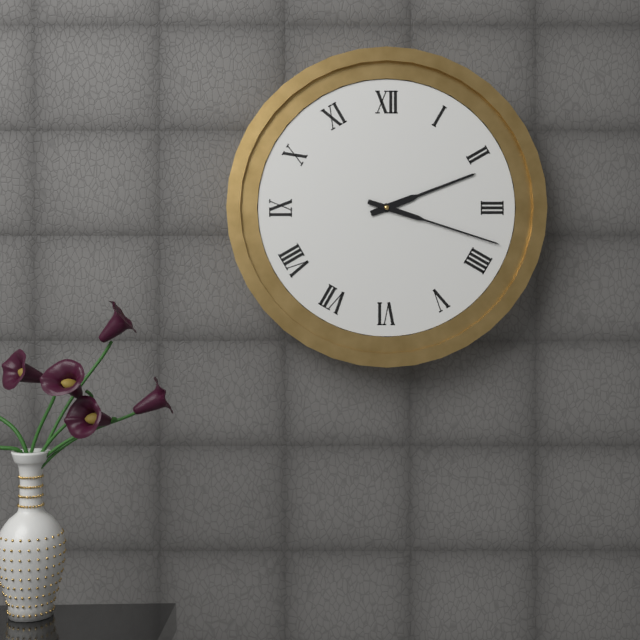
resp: 2,18
